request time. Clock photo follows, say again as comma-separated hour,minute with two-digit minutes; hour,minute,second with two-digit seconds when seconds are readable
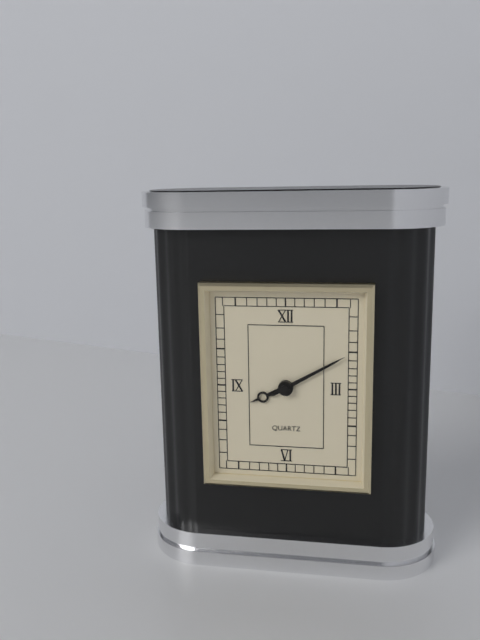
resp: 8,10
